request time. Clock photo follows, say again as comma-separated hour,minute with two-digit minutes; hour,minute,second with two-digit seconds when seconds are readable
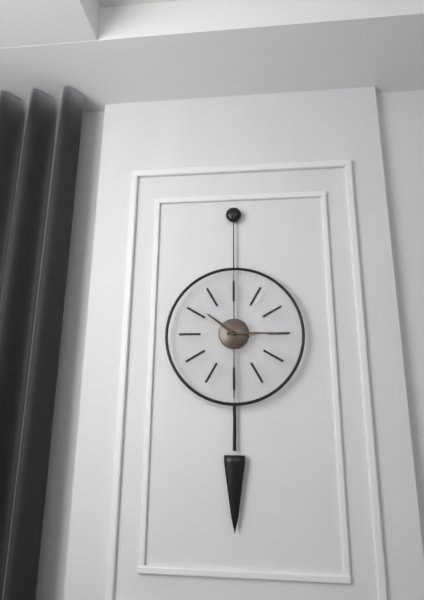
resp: 10,15
